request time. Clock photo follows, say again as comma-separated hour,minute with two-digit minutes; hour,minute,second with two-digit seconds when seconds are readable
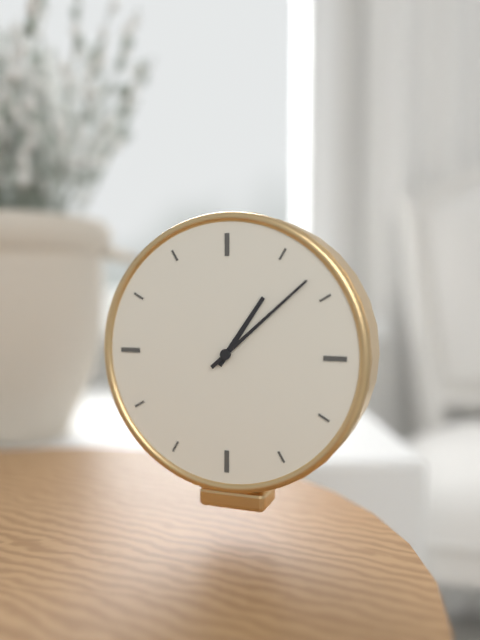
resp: 1,08
